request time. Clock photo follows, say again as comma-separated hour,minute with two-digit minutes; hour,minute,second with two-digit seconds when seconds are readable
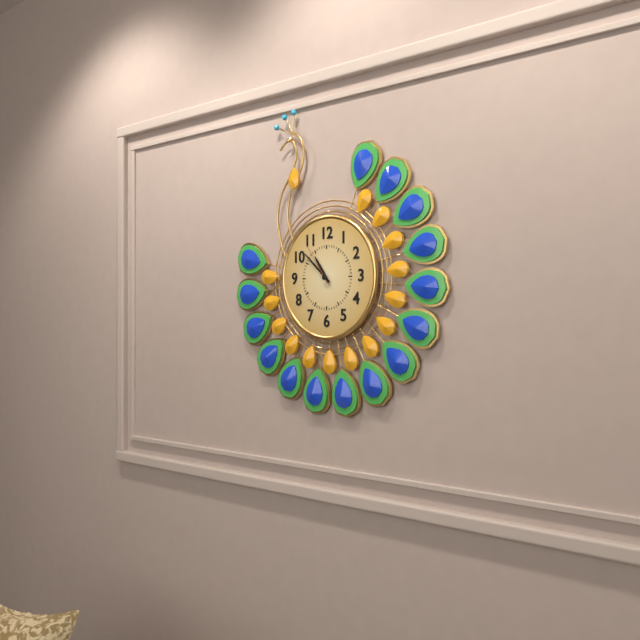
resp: 10,52
